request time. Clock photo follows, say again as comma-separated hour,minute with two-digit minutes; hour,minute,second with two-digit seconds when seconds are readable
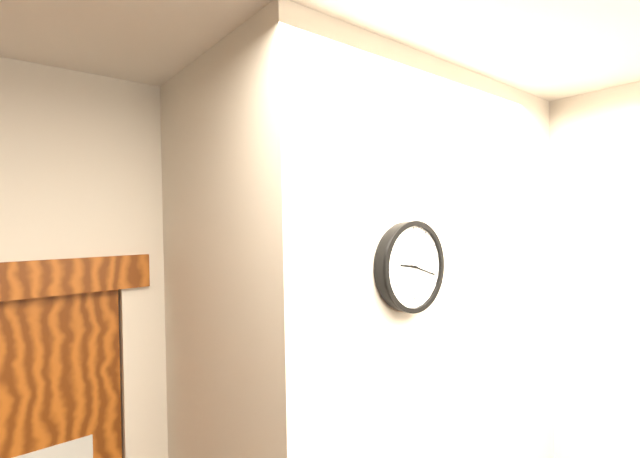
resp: 9,18
